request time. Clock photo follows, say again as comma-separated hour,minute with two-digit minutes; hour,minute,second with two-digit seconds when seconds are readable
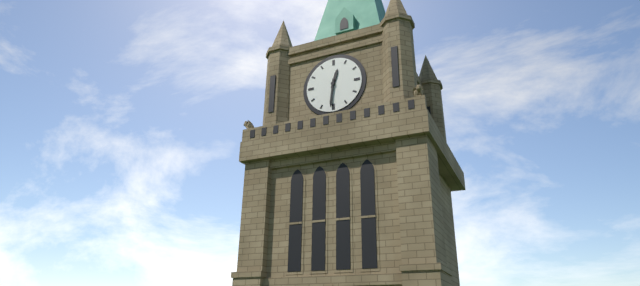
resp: 12,31
